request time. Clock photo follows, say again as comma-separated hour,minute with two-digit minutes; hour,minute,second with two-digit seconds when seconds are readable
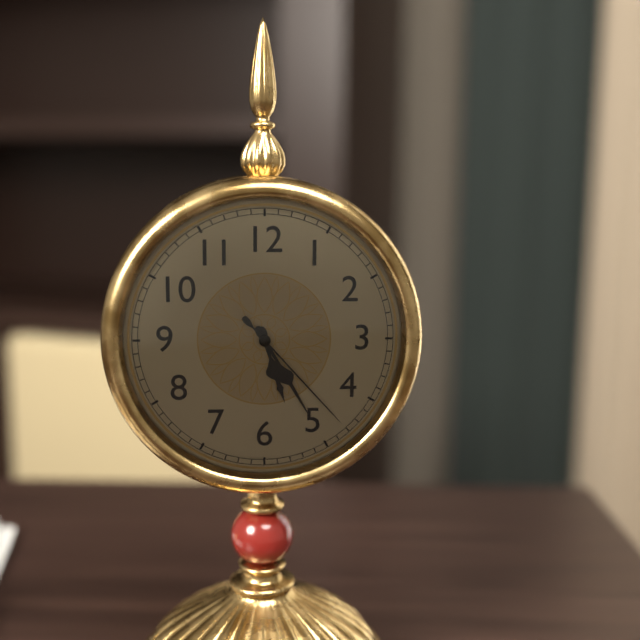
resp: 5,25,23
